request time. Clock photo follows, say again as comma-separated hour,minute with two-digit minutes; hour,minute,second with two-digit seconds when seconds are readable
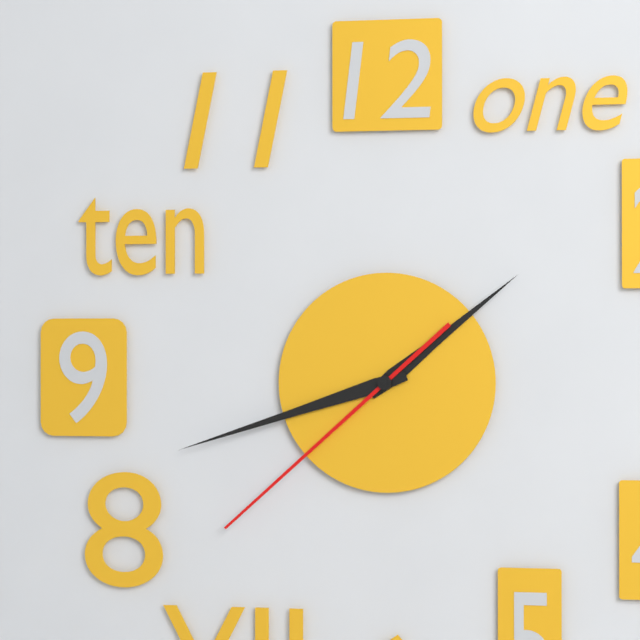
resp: 1,42,38
